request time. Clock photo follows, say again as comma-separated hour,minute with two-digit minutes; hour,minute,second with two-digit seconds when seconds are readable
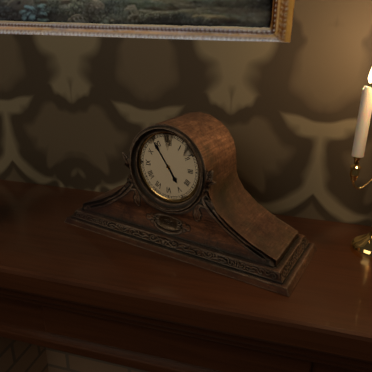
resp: 4,54
